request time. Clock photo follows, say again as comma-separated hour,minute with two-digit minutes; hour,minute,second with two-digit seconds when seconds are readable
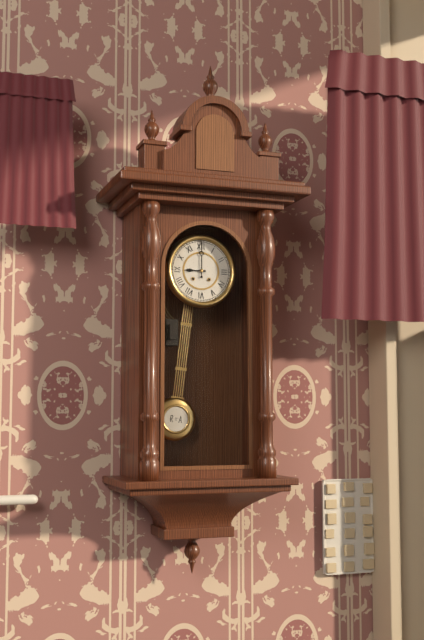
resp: 9,00
